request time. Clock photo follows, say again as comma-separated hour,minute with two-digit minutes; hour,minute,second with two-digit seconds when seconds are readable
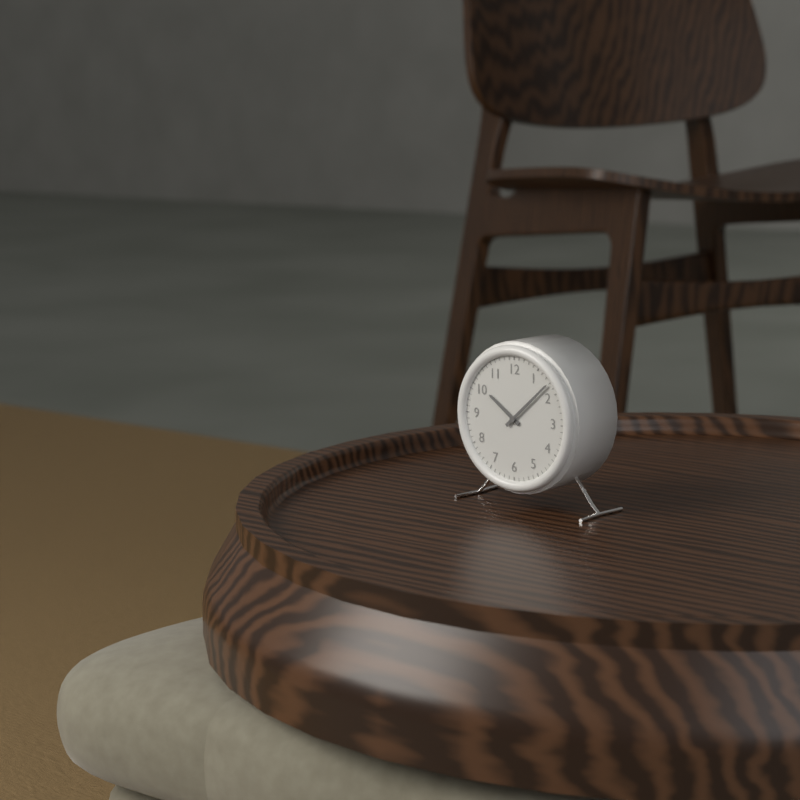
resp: 10,08
